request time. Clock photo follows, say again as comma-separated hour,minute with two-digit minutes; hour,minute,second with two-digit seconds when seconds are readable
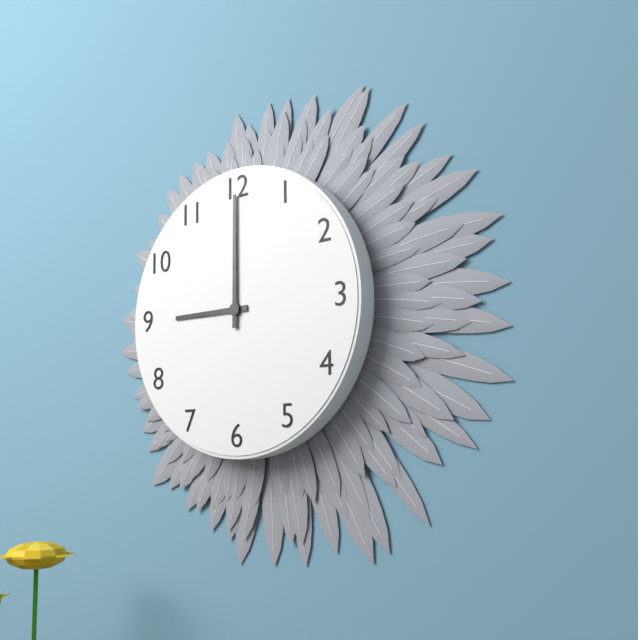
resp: 9,00
